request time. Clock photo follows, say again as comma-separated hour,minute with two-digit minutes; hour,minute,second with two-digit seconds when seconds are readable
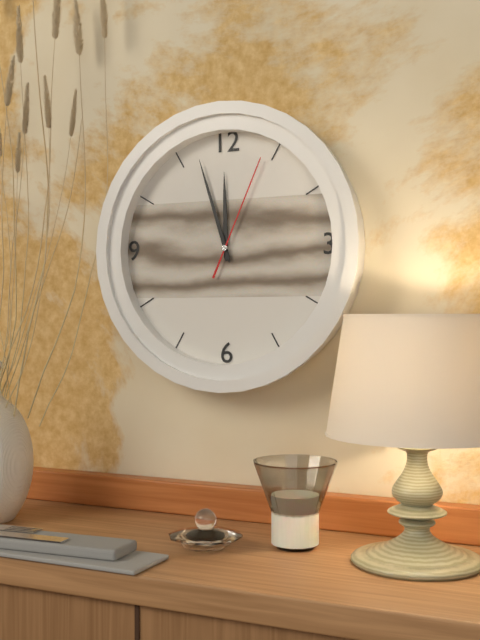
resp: 11,57,04
